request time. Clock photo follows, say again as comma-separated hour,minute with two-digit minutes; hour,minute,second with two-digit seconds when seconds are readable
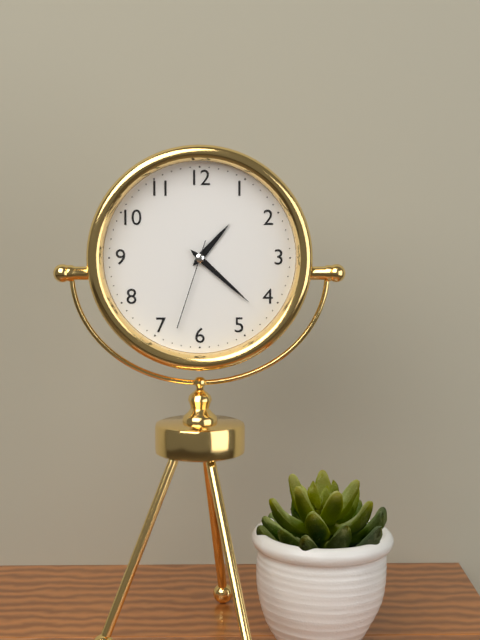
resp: 1,22,33
